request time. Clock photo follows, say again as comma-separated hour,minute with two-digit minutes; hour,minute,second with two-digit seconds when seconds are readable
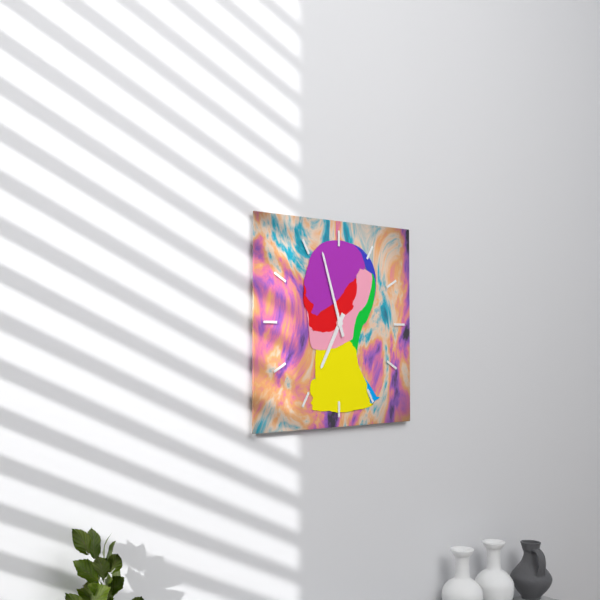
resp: 6,57
